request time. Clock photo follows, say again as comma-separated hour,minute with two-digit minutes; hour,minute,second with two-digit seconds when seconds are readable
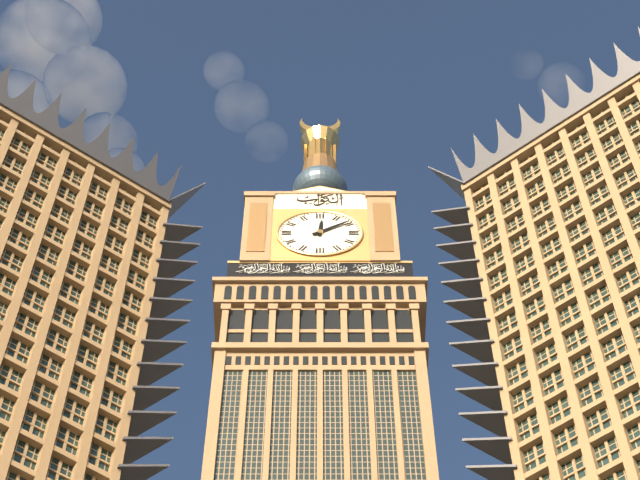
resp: 12,09
